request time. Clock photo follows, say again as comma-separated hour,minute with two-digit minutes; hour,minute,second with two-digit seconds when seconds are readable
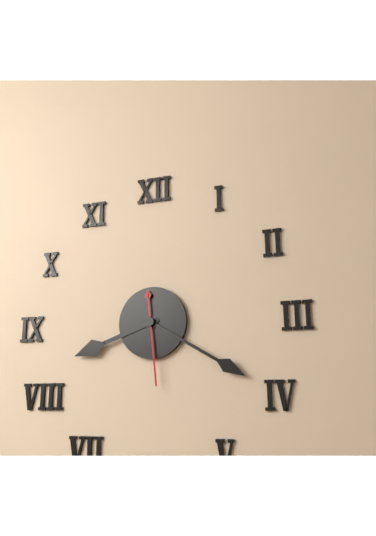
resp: 8,20,29
